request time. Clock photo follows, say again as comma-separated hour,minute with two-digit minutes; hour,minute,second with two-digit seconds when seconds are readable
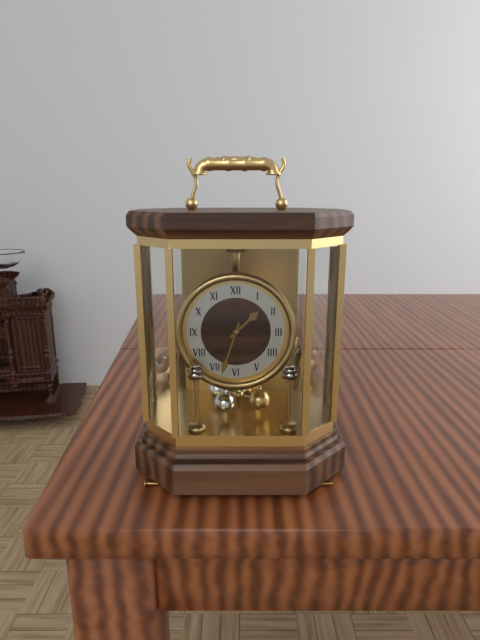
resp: 1,33
